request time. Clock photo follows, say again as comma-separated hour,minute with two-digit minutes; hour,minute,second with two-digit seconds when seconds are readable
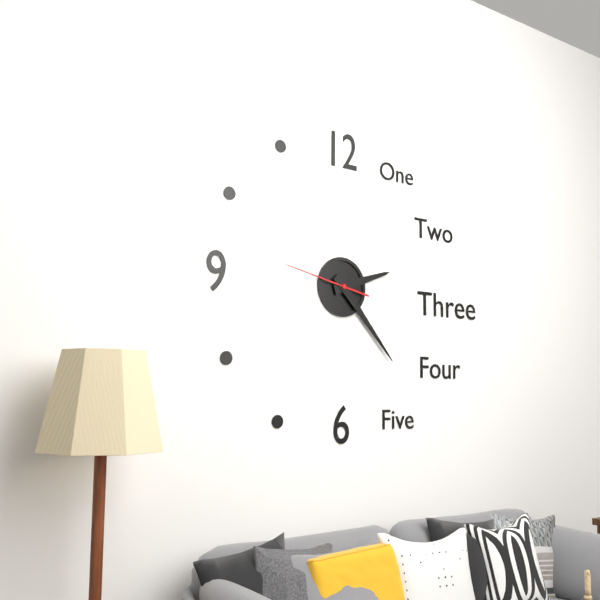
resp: 2,23,47
